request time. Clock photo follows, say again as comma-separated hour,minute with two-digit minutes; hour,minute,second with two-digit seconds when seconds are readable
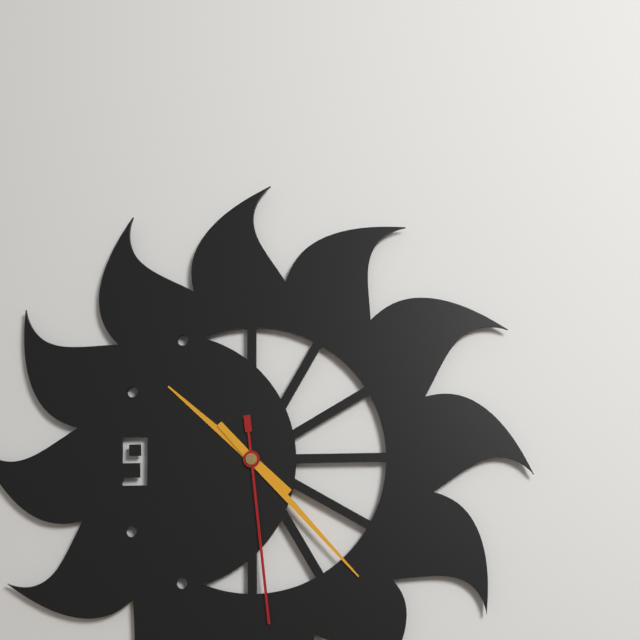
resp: 10,23,29
